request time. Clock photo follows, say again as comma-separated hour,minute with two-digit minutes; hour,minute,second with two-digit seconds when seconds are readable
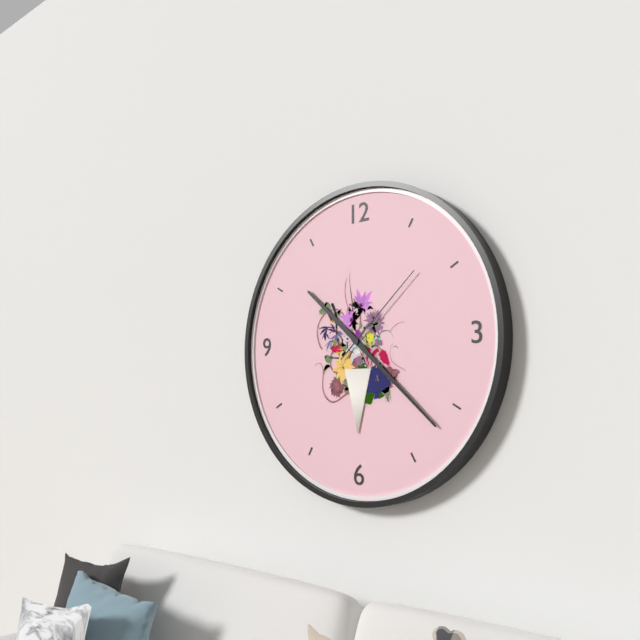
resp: 10,22,08
